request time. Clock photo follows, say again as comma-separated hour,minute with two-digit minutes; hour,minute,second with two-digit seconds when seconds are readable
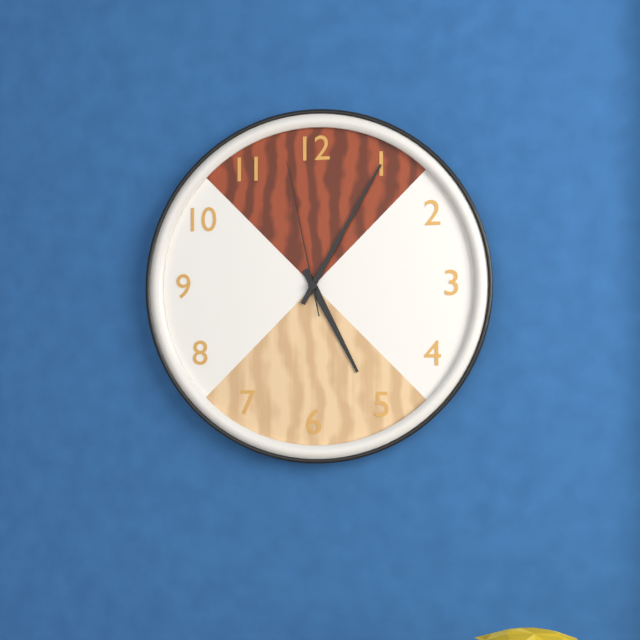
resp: 5,05,58
